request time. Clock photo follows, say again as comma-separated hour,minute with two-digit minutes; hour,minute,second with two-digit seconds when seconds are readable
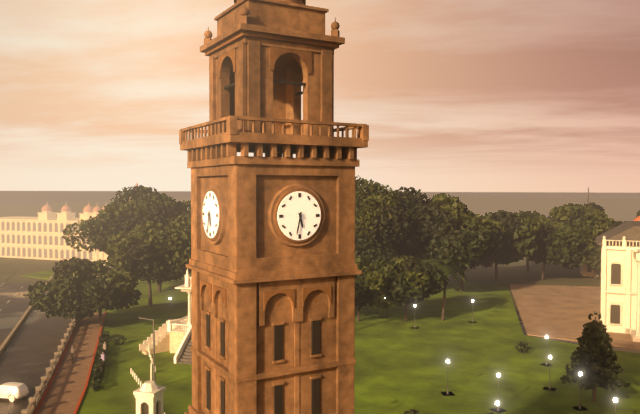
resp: 5,32
